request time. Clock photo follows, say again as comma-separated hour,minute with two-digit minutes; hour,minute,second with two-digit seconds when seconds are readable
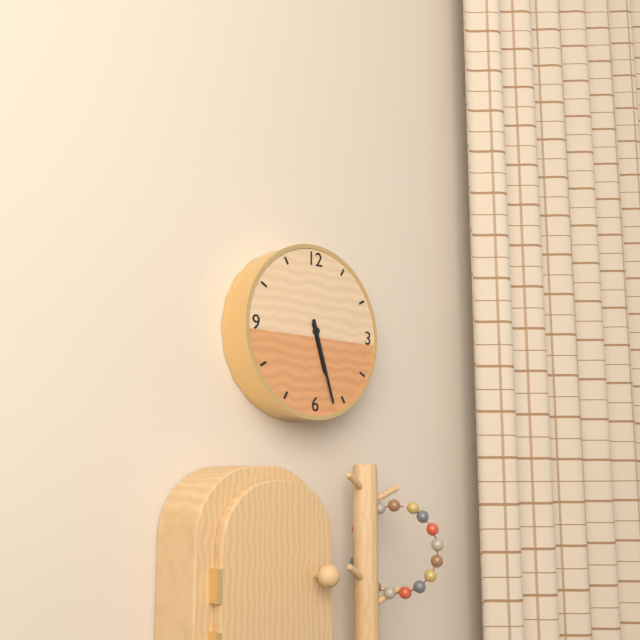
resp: 5,27
